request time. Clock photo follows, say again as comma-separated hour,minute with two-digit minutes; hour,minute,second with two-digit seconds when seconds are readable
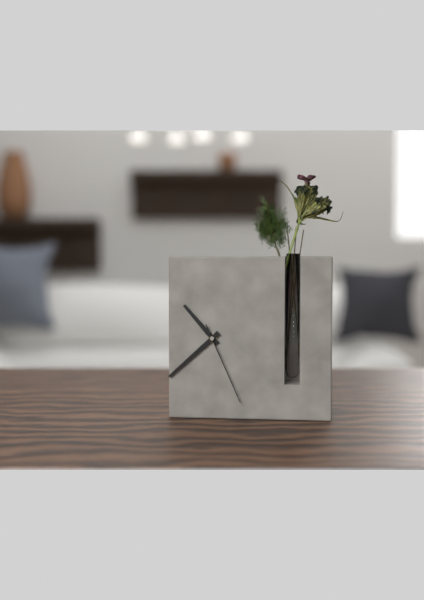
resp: 10,38,26
